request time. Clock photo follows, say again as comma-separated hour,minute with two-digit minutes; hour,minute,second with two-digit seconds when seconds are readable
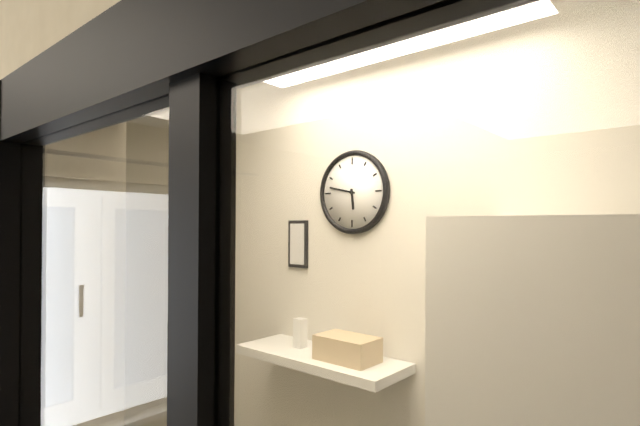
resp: 5,47
